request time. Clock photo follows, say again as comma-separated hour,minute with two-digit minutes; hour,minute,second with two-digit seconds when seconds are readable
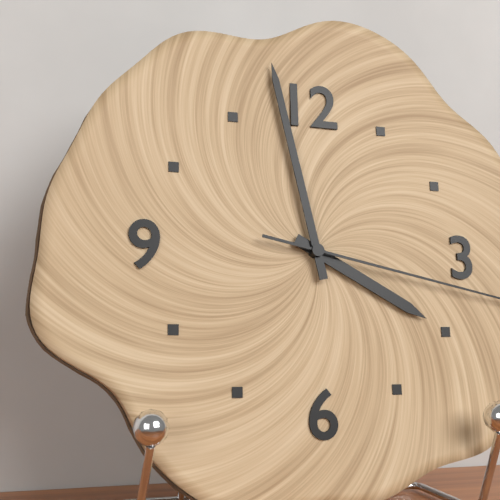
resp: 3,58
